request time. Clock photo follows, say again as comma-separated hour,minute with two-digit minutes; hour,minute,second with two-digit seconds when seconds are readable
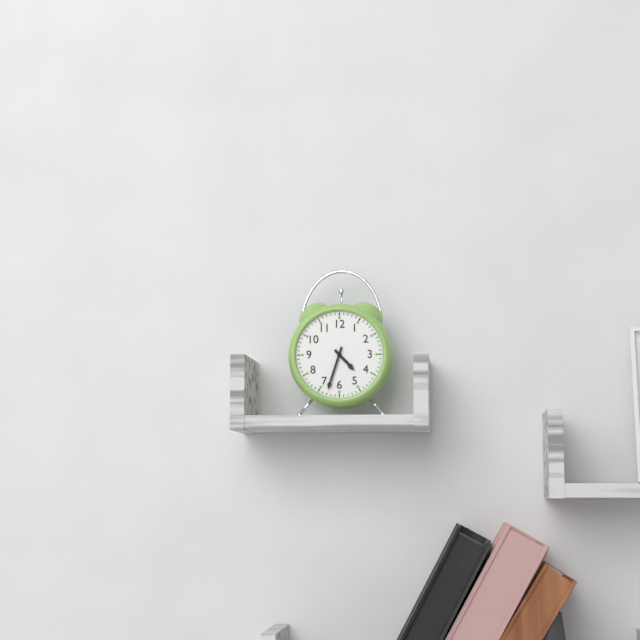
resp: 4,33
